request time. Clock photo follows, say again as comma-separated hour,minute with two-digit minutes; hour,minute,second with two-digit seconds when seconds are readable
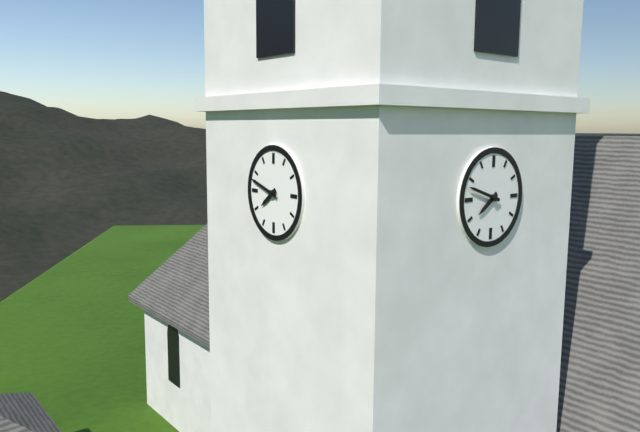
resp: 7,48
